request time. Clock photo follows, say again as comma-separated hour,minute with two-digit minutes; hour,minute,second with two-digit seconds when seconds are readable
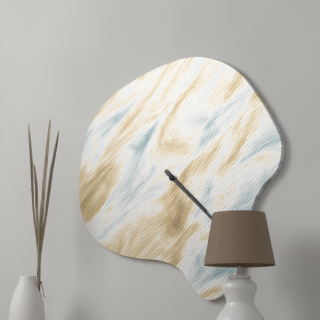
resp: 4,22
